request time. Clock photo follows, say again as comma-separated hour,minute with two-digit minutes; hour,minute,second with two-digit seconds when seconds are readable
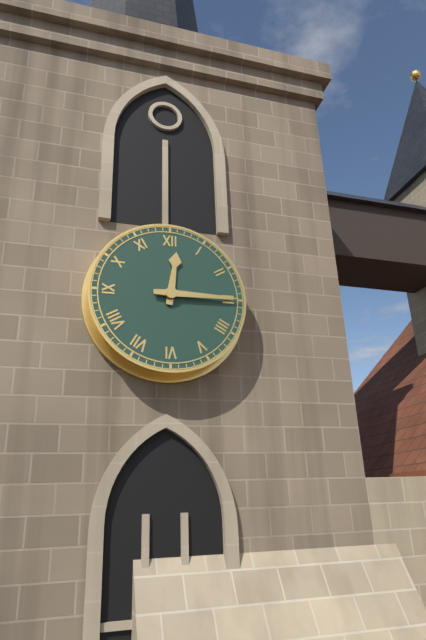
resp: 12,15
